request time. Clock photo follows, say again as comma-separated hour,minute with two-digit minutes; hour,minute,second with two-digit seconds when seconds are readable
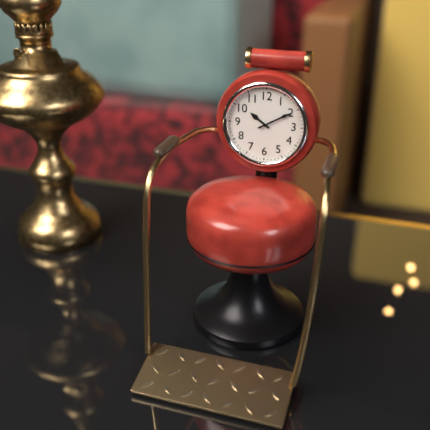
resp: 10,10
